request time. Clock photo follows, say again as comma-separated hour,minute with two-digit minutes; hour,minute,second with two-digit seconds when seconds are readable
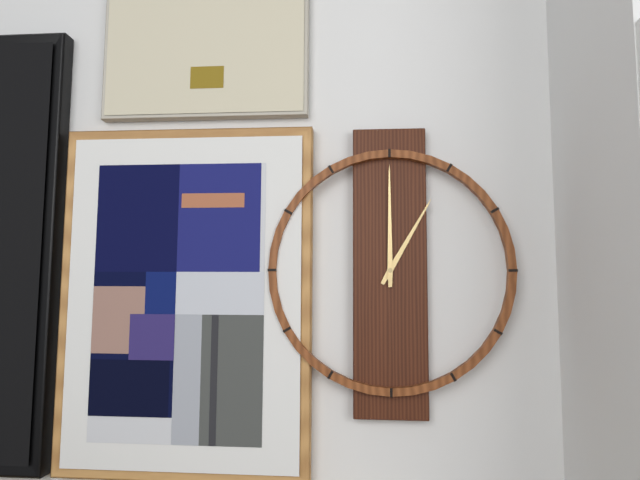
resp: 1,00
